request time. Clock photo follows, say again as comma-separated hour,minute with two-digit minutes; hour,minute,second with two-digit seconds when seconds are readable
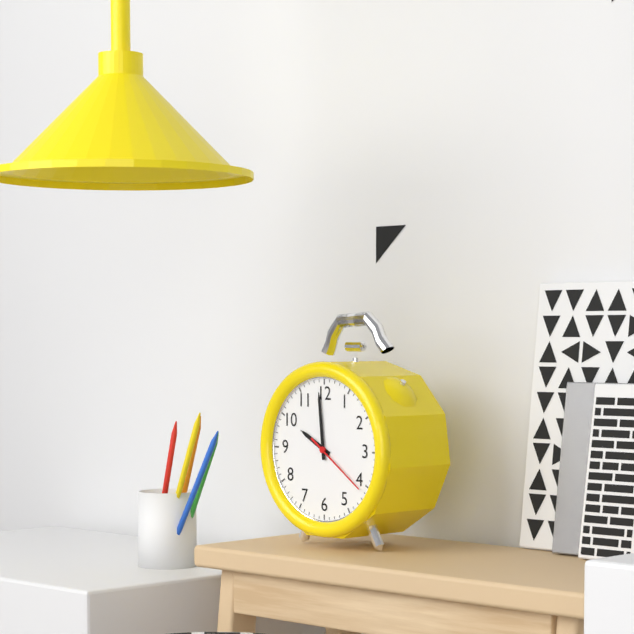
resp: 9,59,21
